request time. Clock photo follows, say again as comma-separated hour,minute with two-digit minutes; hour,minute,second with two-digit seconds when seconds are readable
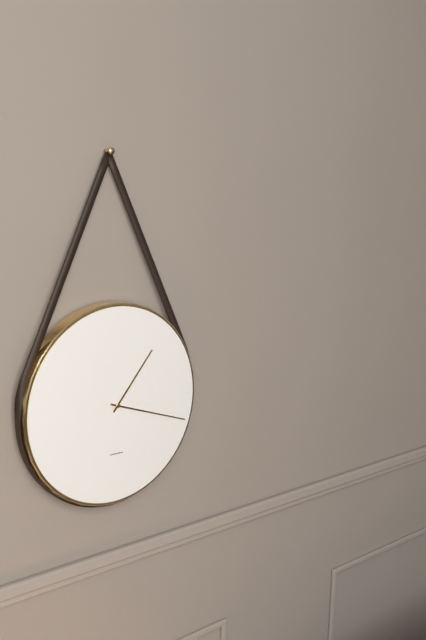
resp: 1,18
